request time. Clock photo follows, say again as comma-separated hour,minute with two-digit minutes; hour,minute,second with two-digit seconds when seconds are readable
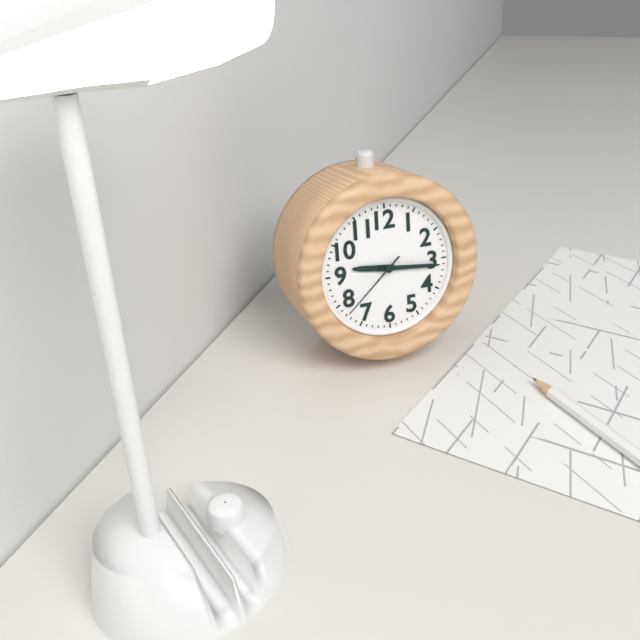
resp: 9,16,38
